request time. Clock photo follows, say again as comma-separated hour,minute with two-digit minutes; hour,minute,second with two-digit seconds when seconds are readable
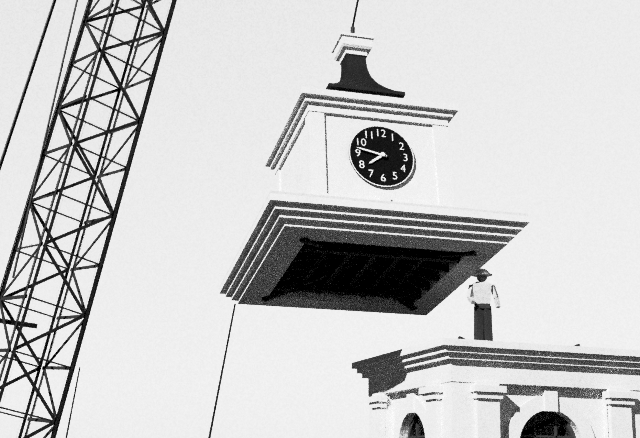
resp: 7,47
